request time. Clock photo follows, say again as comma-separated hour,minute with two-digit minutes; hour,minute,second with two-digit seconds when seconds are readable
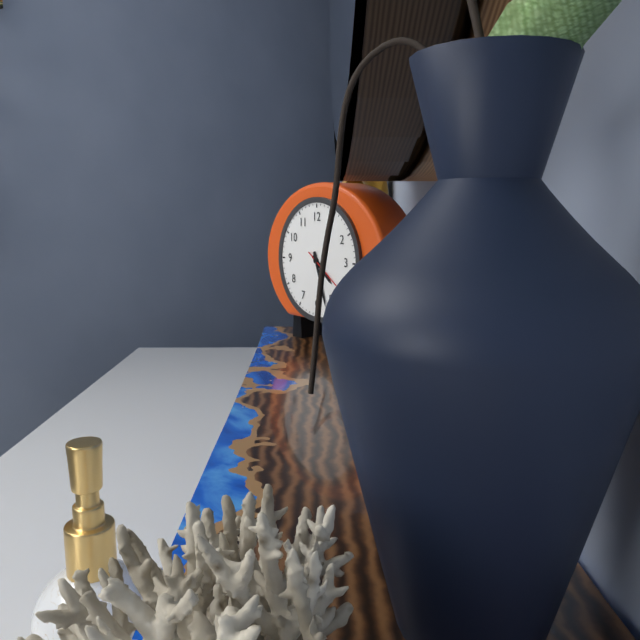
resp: 4,27,21
